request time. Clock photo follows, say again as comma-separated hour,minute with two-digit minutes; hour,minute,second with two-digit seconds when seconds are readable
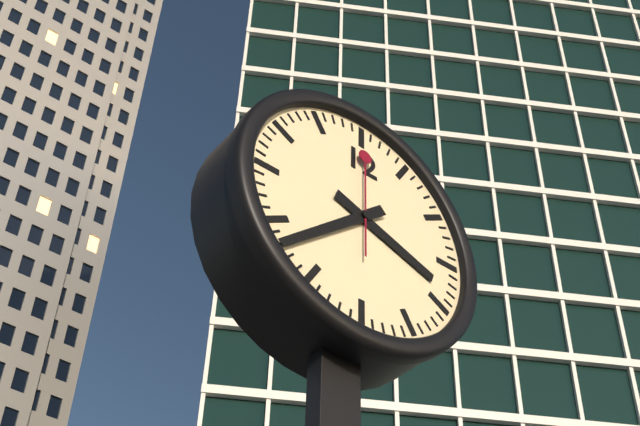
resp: 3,38,00
